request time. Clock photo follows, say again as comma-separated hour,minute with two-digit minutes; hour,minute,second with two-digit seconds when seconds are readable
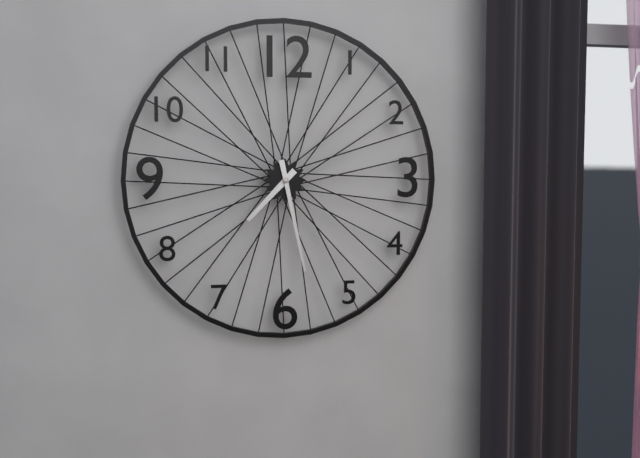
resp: 7,28
